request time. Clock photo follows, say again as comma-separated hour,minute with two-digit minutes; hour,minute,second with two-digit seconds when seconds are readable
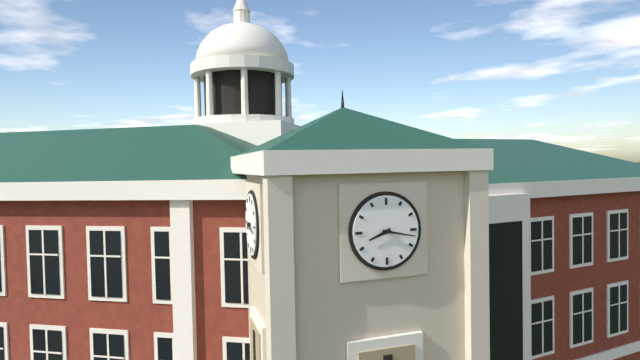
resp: 8,17
